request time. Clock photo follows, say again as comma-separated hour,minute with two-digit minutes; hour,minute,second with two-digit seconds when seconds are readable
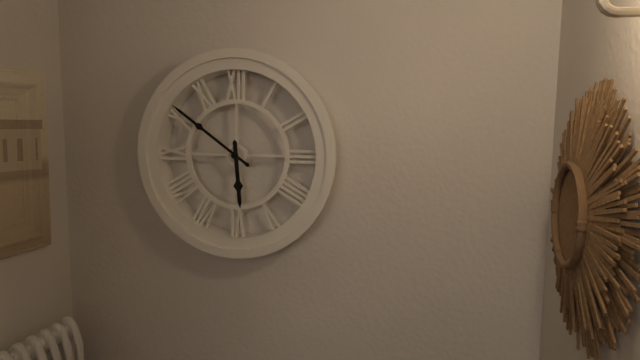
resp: 5,51
